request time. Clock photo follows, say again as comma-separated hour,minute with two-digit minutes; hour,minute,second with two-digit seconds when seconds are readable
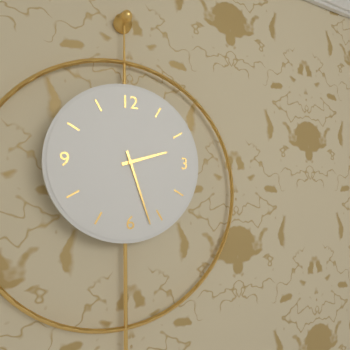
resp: 2,27
